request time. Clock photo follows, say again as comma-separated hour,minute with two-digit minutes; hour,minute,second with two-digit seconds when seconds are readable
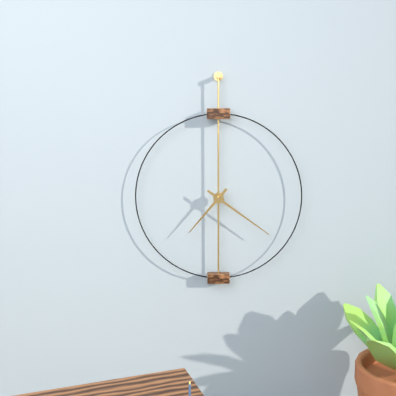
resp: 7,21
